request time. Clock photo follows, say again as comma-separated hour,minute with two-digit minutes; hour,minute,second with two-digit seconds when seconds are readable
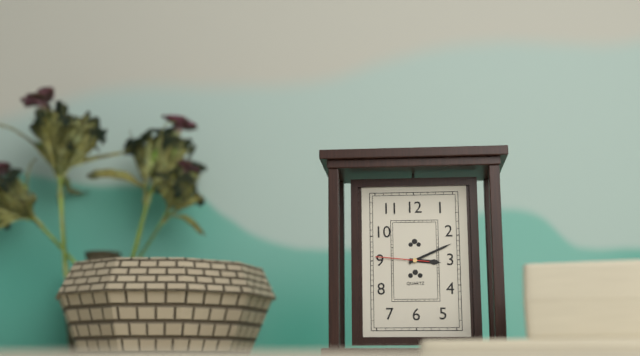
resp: 3,11,46
